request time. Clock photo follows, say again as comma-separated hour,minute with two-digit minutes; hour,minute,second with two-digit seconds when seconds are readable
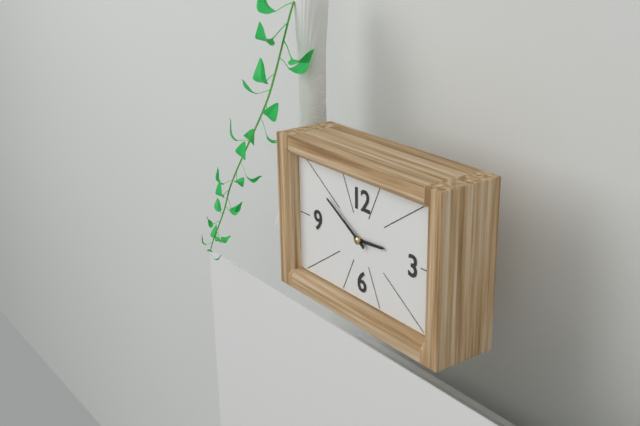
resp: 2,50
